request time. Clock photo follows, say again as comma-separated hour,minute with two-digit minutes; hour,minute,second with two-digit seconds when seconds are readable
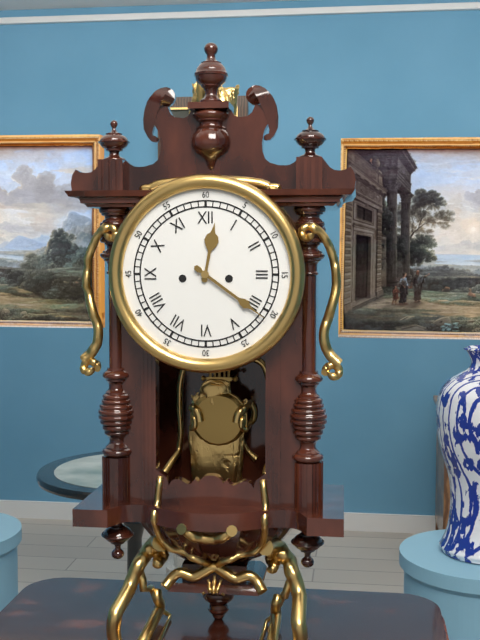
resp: 12,21
